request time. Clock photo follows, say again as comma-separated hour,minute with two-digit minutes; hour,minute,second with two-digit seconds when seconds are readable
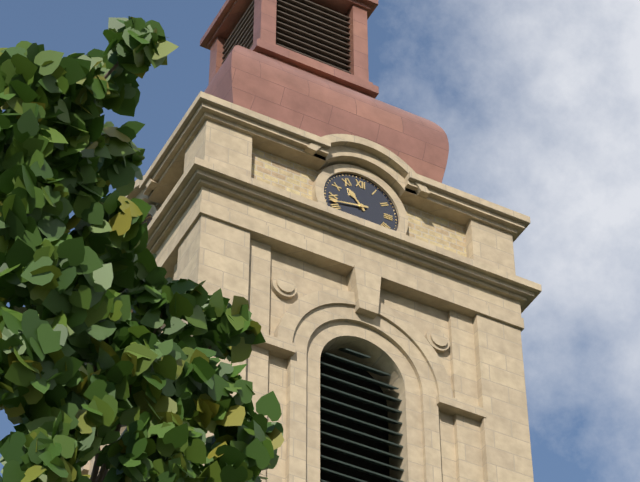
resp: 10,43
